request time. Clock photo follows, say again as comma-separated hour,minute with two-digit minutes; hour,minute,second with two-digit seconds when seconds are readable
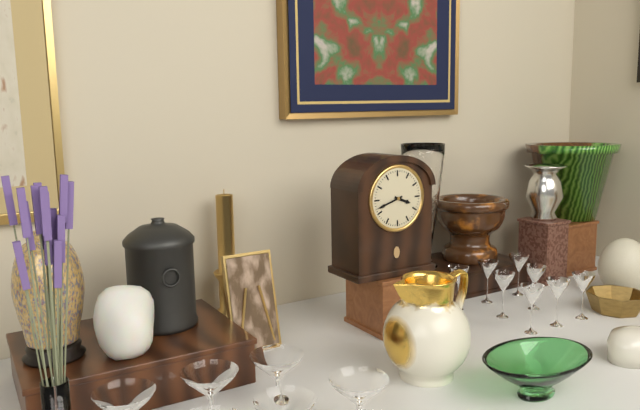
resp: 3,42
